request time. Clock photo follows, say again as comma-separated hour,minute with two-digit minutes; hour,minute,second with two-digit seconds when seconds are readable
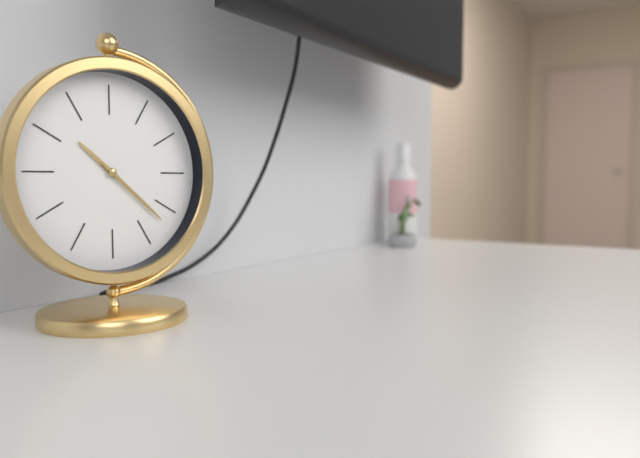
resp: 10,22
